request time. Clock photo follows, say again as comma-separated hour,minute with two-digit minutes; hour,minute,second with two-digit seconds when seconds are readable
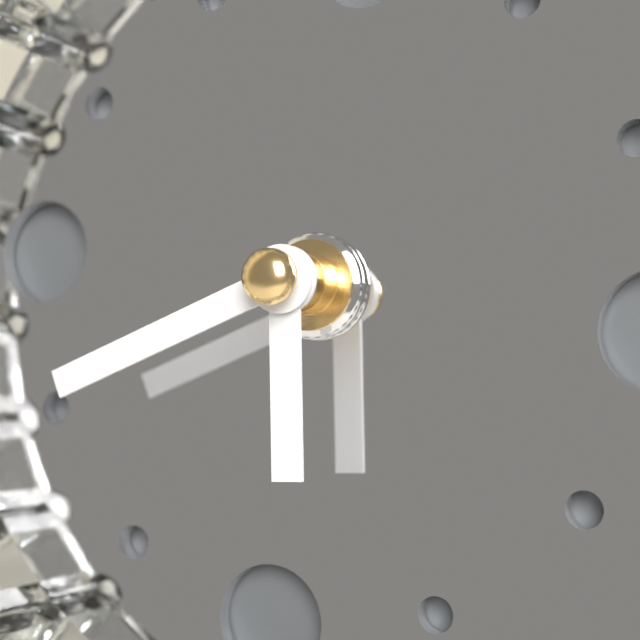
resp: 5,40
